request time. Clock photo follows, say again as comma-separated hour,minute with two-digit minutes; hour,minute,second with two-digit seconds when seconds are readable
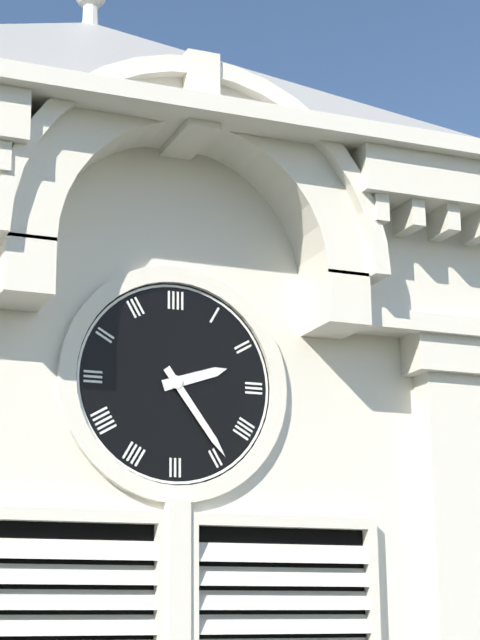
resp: 2,24
